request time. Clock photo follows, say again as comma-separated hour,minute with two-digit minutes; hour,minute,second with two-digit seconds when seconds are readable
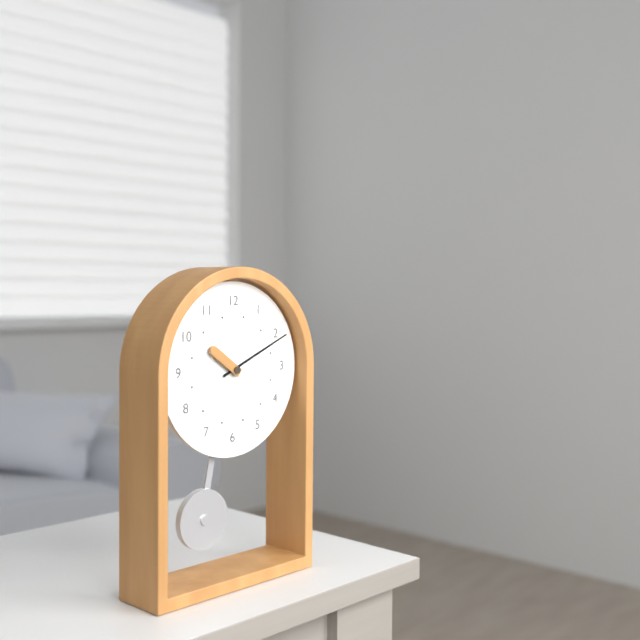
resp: 10,11
